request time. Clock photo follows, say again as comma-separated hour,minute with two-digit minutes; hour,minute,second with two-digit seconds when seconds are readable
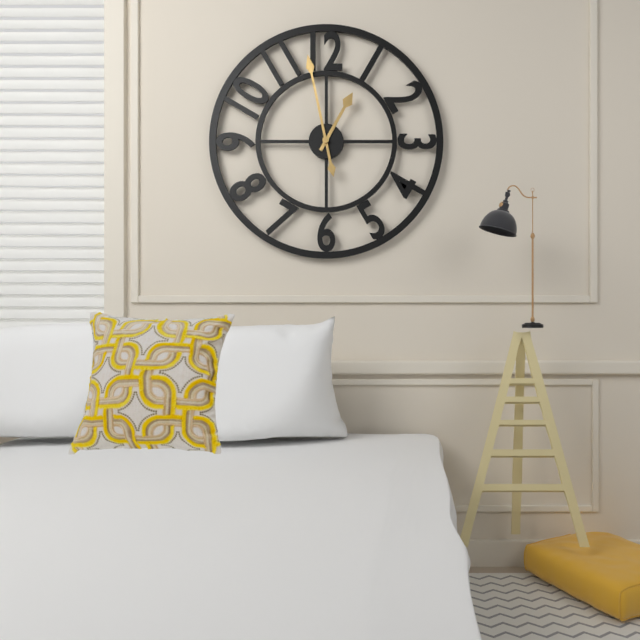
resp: 12,58
